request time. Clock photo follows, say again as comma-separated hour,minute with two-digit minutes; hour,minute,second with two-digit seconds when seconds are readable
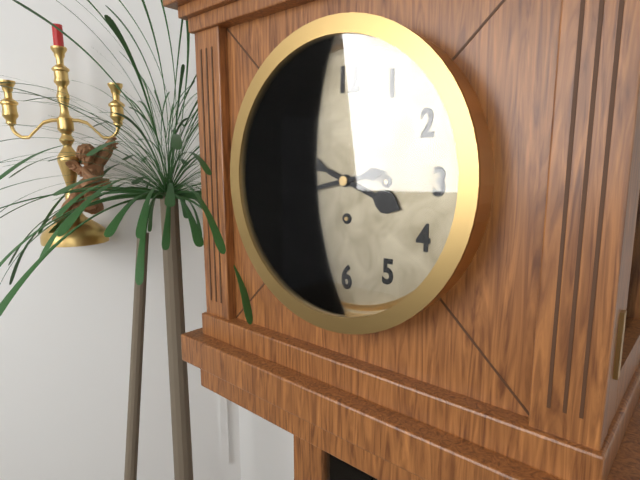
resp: 3,43
